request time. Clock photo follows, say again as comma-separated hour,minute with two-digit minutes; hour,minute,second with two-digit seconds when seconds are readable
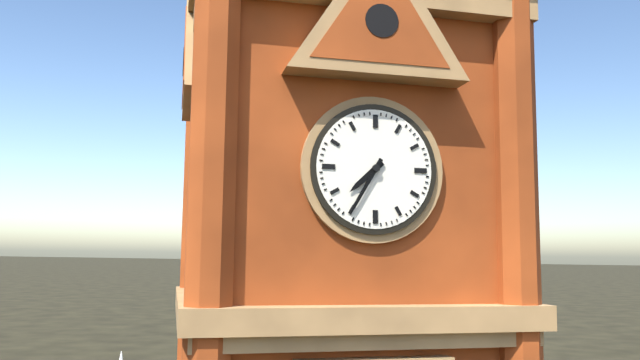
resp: 7,35
